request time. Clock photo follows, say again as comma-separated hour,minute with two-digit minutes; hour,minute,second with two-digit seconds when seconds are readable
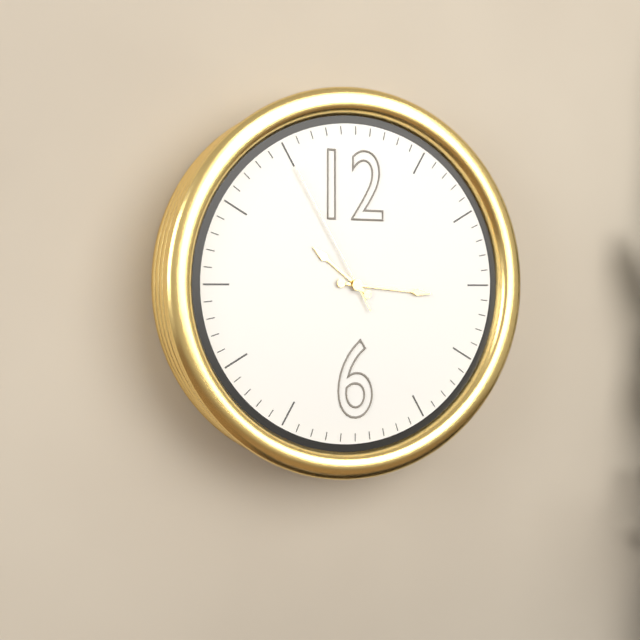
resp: 10,16,55
